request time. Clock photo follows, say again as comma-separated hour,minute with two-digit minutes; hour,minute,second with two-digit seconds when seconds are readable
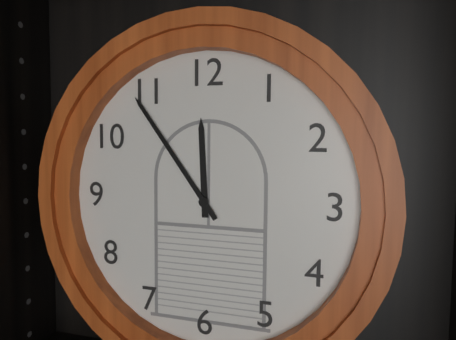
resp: 11,54
